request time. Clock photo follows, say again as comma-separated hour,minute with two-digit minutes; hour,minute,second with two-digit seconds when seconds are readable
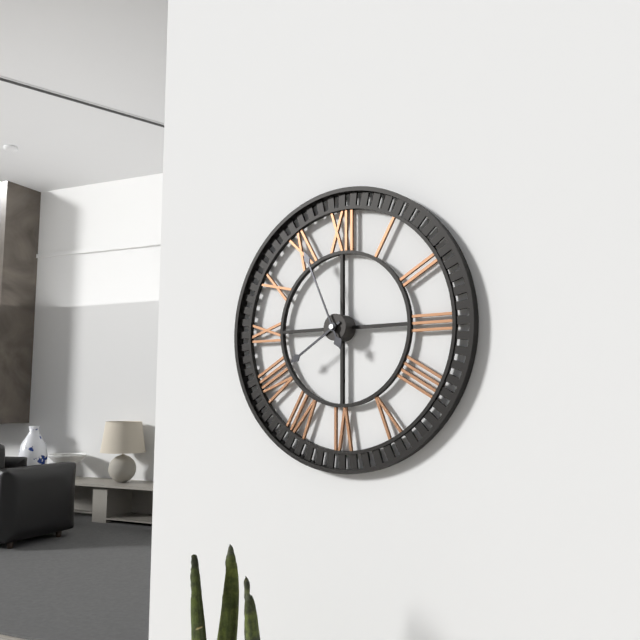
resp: 7,56
